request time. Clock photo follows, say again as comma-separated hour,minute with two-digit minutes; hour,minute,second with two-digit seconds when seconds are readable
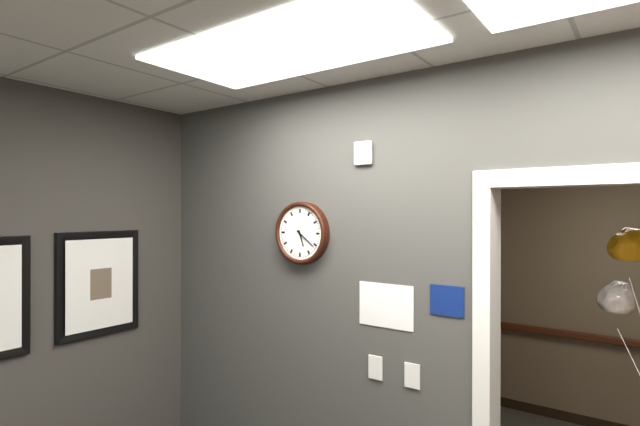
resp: 5,21
